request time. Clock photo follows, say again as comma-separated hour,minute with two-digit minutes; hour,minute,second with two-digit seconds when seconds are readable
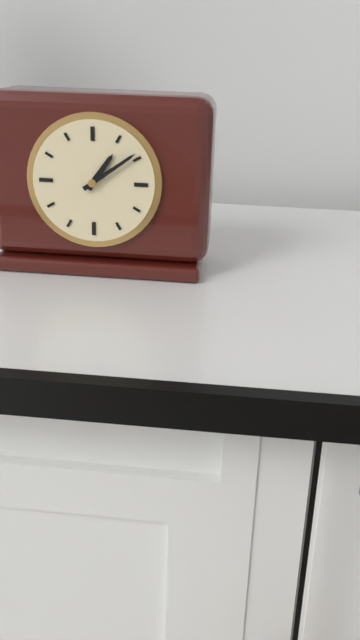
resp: 1,09
